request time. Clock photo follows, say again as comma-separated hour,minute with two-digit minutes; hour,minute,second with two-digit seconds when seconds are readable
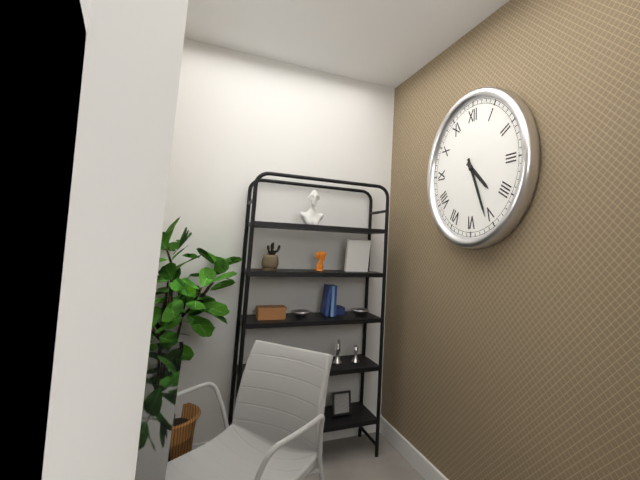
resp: 4,26
